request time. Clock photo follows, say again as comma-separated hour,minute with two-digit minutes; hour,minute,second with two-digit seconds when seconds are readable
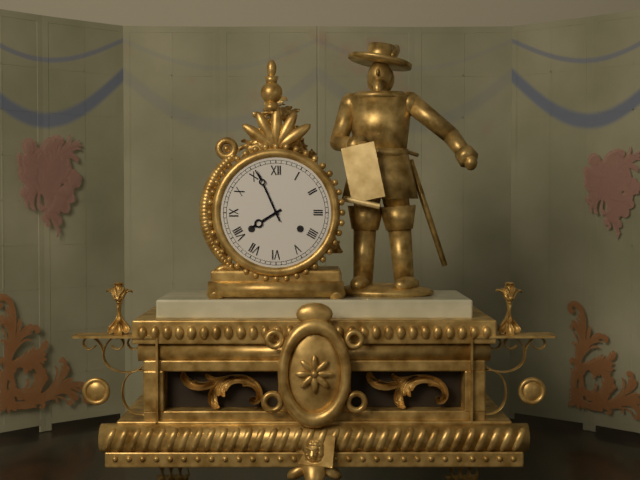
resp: 7,56
